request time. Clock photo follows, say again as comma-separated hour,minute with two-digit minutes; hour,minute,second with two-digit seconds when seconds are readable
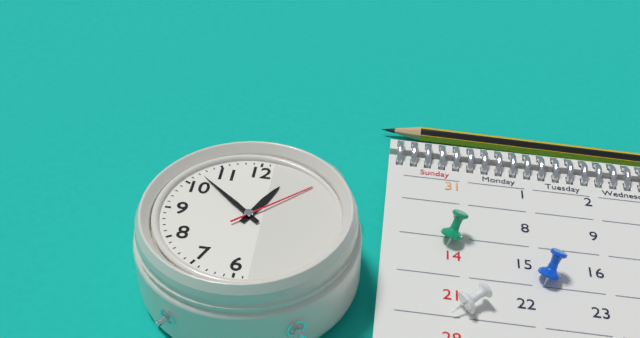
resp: 12,52,08
